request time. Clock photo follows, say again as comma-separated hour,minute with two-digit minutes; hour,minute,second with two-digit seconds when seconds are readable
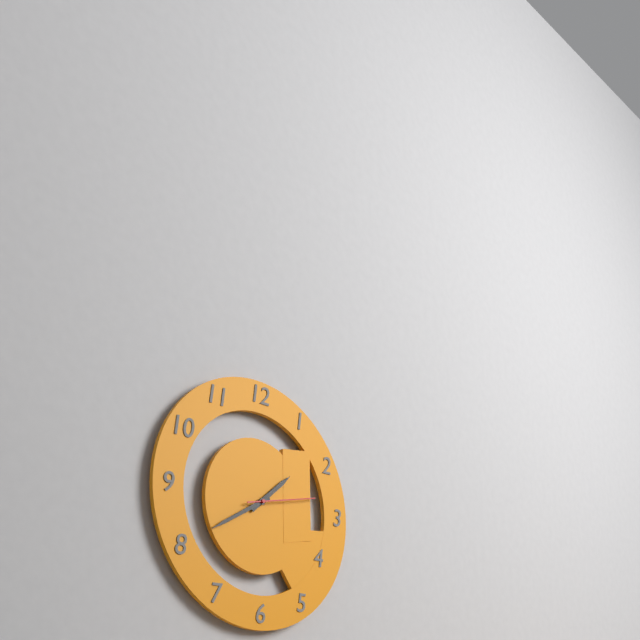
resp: 1,40,13
